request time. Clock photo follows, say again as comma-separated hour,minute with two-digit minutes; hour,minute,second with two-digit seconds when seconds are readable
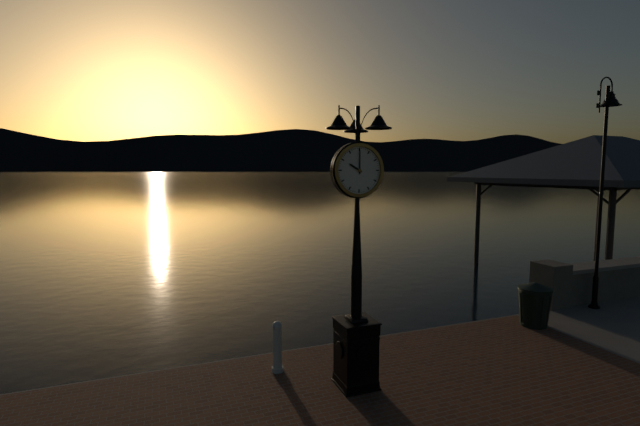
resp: 10,00
